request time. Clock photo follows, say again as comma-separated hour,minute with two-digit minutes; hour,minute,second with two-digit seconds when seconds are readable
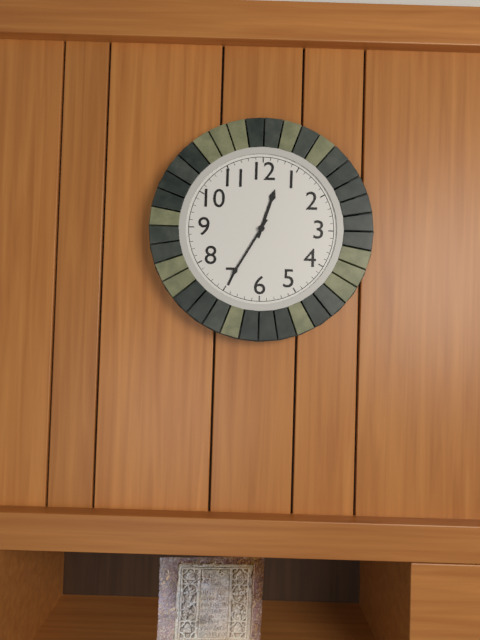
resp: 12,35
